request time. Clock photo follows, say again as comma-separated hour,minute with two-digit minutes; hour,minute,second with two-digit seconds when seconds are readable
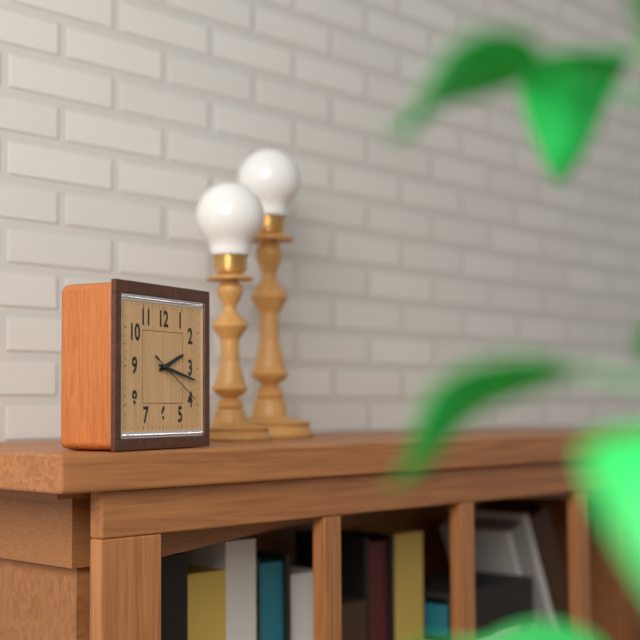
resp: 2,17,20
